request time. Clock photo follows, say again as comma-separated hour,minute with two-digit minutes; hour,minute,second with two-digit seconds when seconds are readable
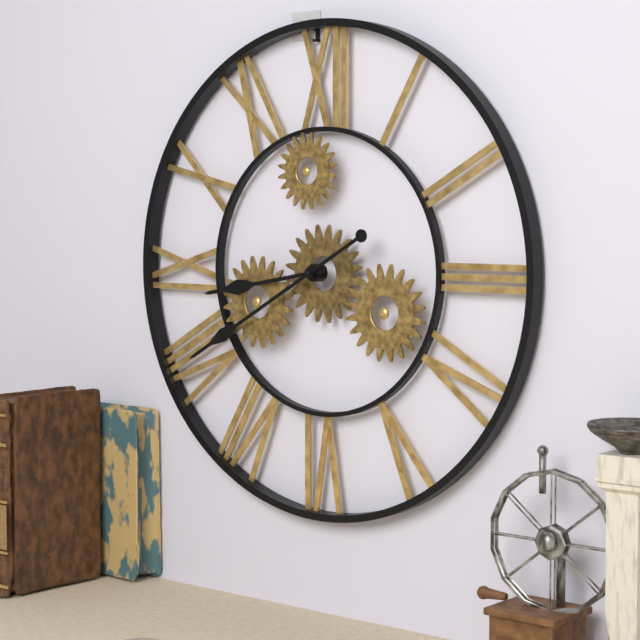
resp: 8,40
